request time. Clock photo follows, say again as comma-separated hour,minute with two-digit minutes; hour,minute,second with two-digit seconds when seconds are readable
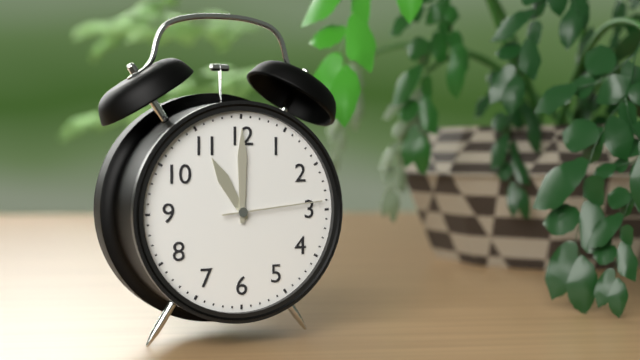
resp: 11,00,14
